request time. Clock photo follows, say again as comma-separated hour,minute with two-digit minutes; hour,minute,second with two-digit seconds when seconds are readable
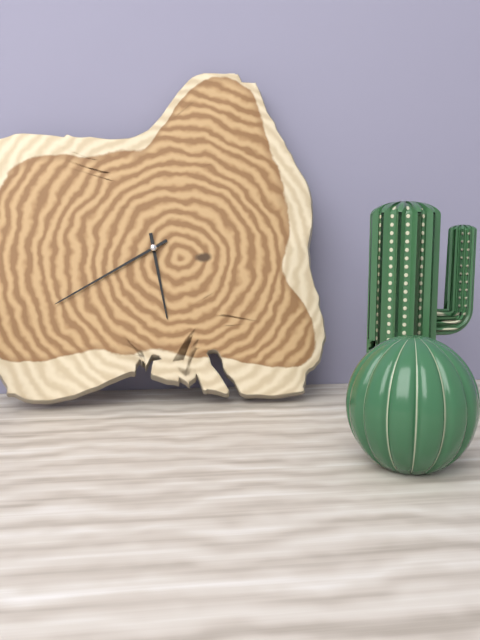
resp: 5,40
